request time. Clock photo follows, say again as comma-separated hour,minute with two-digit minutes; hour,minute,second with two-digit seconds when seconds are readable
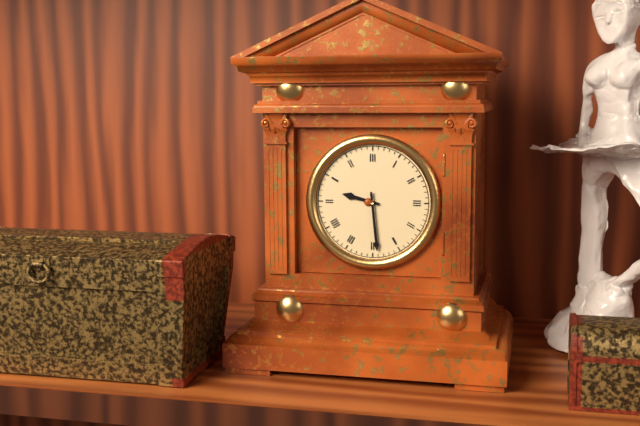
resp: 9,29
